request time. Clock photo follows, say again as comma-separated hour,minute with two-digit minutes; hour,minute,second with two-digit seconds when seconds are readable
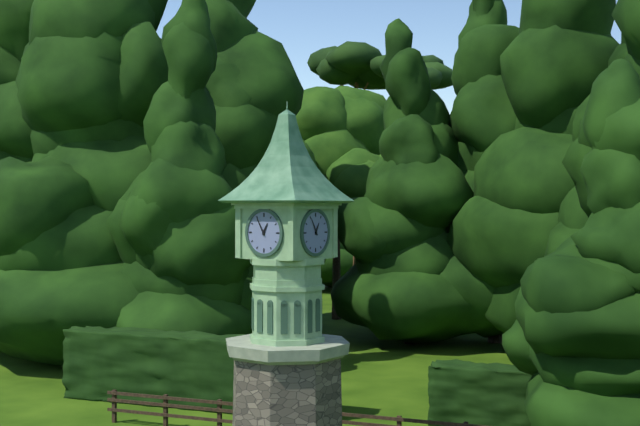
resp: 12,55
